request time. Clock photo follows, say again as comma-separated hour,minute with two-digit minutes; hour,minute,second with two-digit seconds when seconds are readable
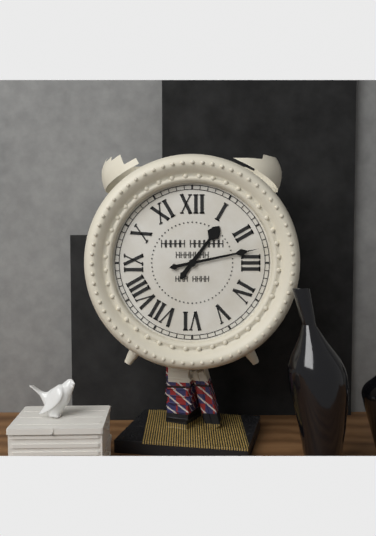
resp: 1,13
